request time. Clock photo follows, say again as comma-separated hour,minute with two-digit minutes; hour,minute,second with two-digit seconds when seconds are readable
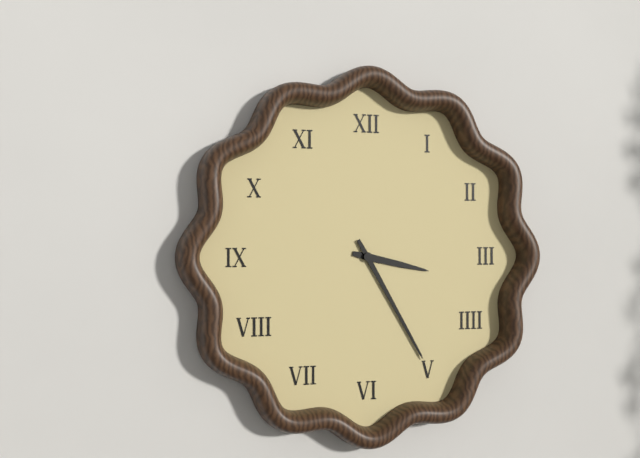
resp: 3,25
